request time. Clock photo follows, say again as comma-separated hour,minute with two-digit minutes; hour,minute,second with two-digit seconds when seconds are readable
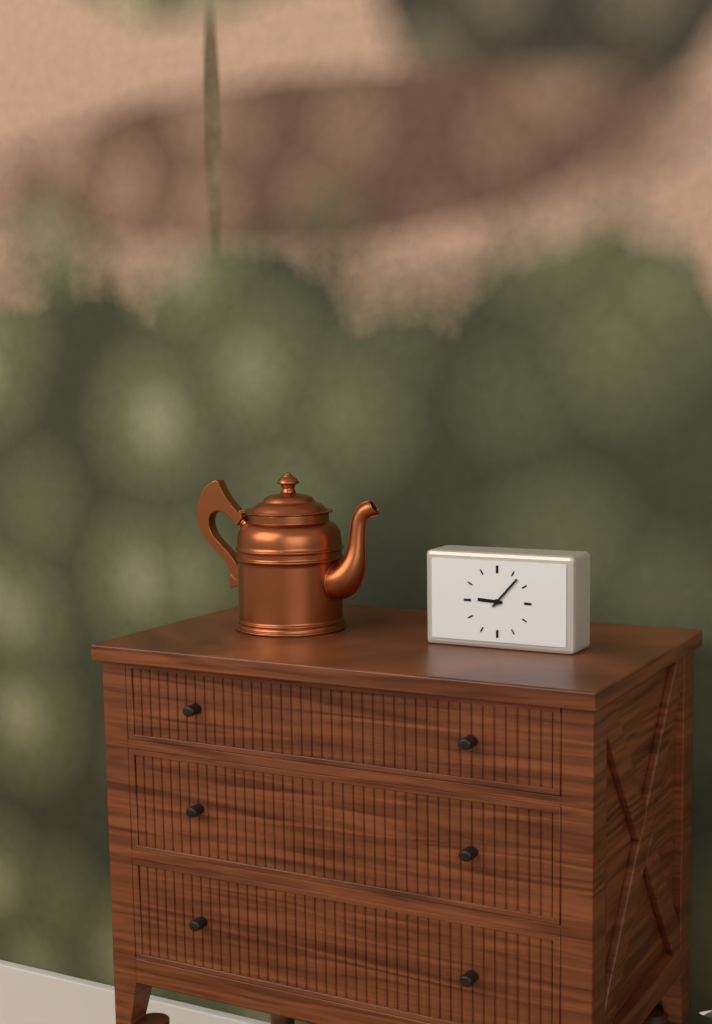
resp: 9,07
